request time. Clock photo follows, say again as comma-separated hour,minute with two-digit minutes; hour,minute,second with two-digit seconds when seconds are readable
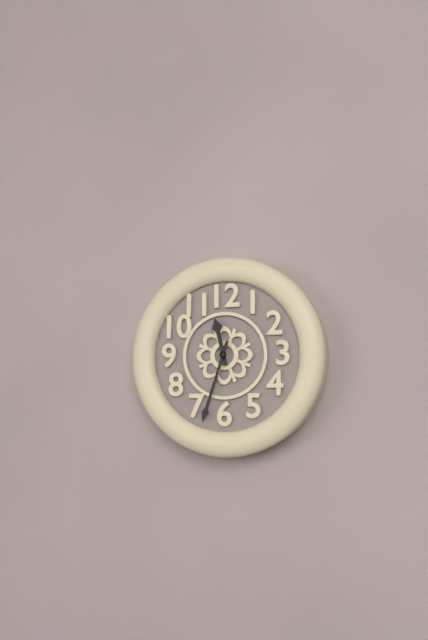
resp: 11,33
